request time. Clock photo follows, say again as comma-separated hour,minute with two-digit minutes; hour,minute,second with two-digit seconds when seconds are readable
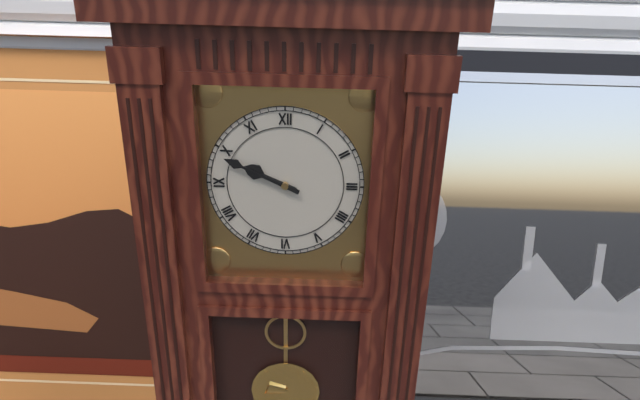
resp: 9,49
